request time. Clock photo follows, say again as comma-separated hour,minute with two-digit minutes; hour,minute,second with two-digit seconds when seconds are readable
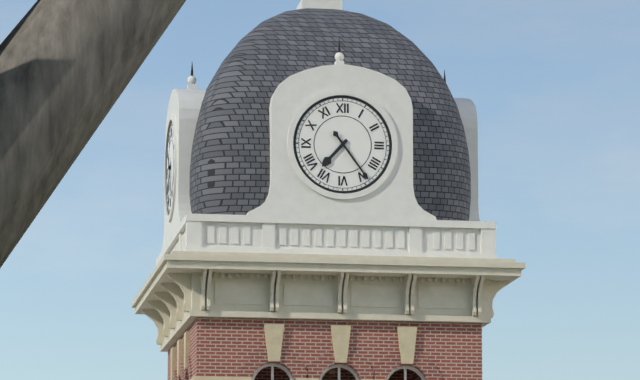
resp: 7,24
